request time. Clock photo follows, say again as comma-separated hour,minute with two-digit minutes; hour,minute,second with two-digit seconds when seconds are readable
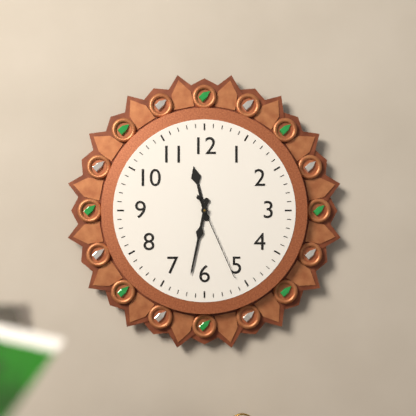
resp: 11,32,26
